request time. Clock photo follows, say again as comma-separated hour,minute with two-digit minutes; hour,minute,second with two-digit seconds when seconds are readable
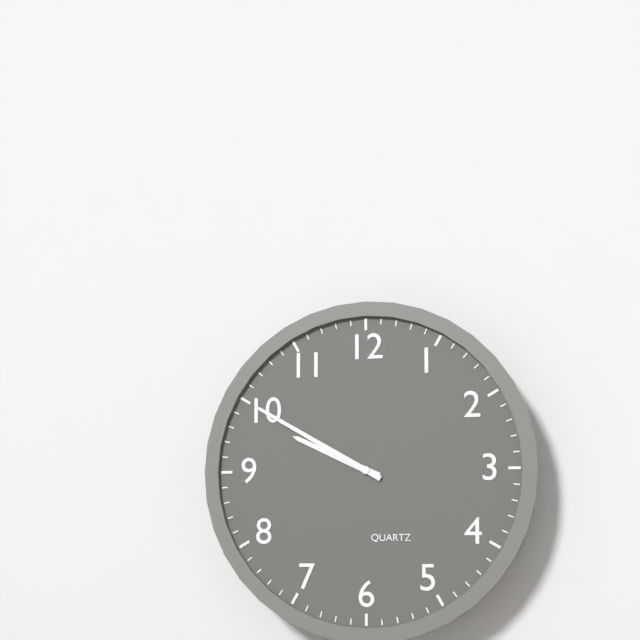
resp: 9,50
